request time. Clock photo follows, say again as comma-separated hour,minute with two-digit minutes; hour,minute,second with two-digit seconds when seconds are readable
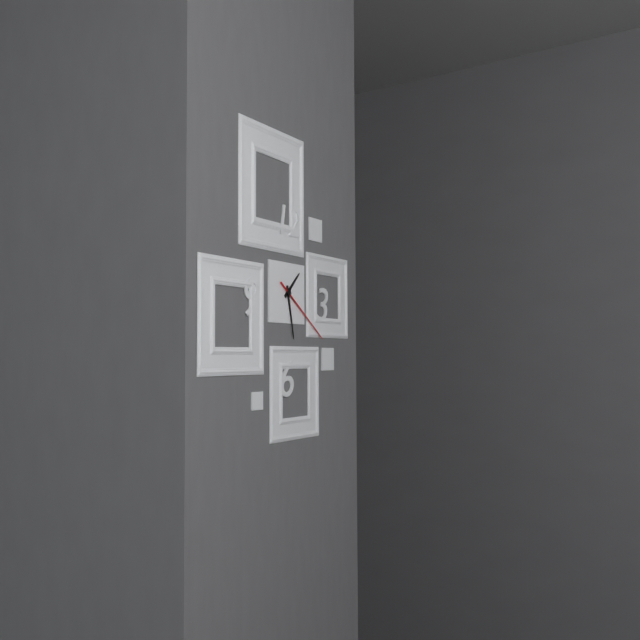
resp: 1,28,21
